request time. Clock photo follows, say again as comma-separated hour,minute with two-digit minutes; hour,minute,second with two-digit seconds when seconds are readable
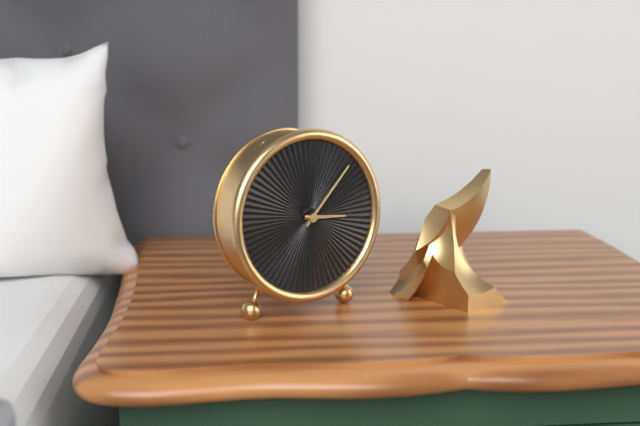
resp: 3,07
